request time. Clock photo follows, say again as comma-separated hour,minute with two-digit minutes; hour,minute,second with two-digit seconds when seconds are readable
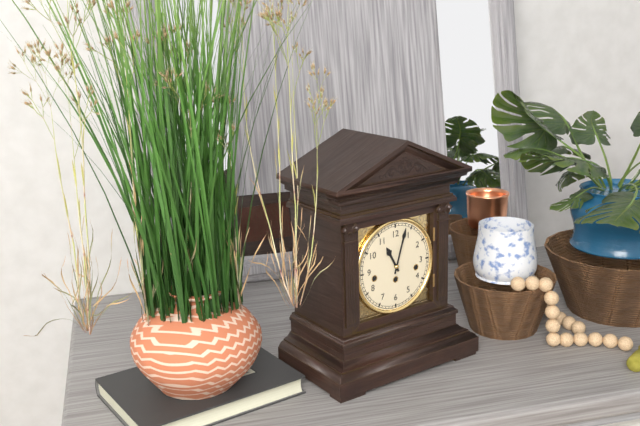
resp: 11,03
